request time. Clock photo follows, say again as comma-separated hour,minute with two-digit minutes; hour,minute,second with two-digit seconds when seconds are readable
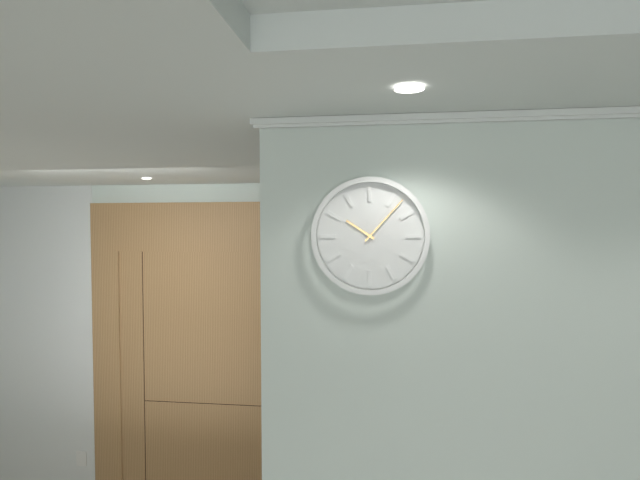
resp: 10,07
